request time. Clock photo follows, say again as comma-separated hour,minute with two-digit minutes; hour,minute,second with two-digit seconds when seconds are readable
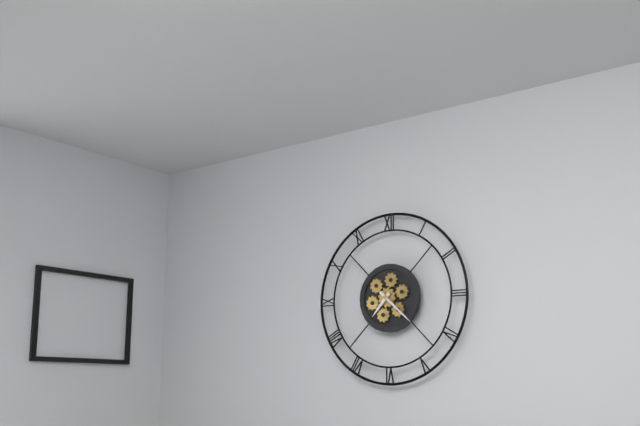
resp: 7,22
